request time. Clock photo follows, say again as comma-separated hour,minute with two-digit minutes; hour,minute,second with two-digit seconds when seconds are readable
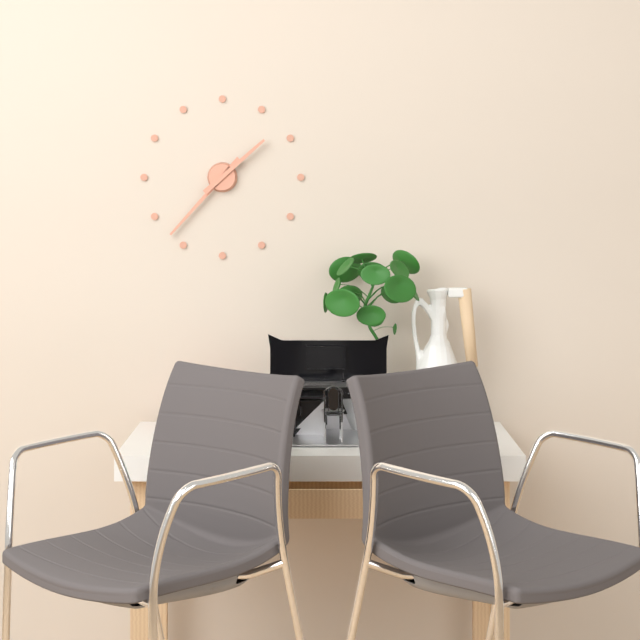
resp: 1,37
